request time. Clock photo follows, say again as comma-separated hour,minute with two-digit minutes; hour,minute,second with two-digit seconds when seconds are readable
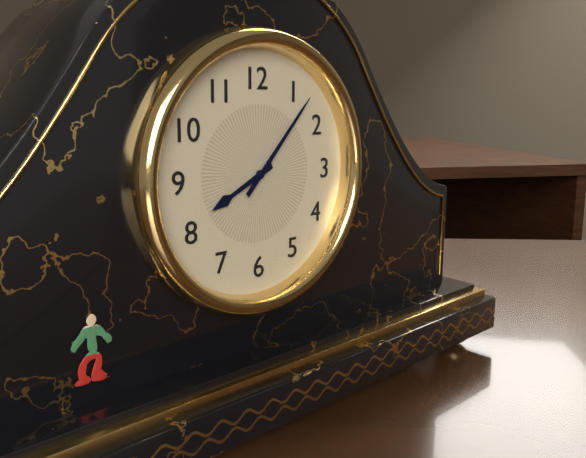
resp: 8,07
